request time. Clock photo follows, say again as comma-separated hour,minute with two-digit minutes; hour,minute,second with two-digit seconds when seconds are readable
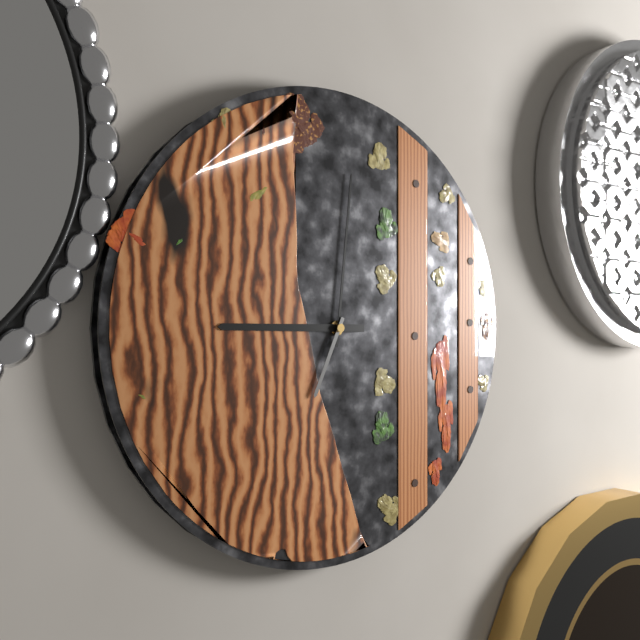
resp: 9,01,34
